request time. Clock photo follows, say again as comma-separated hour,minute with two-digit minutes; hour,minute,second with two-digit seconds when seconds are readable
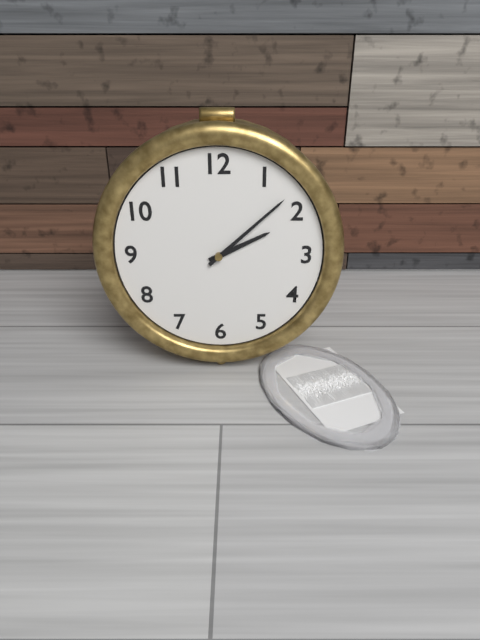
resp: 2,08
